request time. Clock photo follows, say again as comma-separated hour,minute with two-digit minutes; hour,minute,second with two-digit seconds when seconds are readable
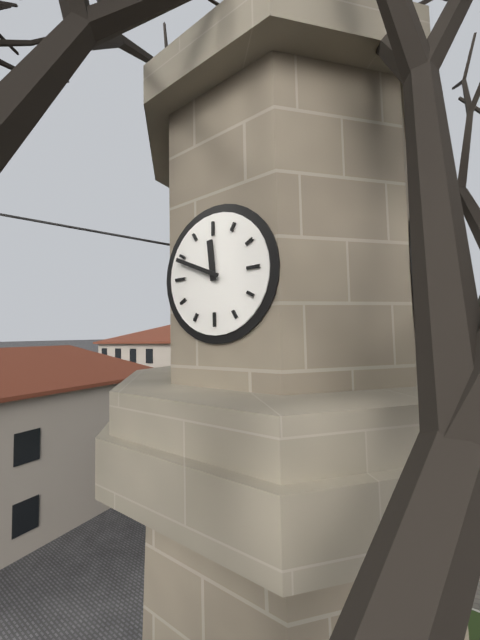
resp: 11,49
